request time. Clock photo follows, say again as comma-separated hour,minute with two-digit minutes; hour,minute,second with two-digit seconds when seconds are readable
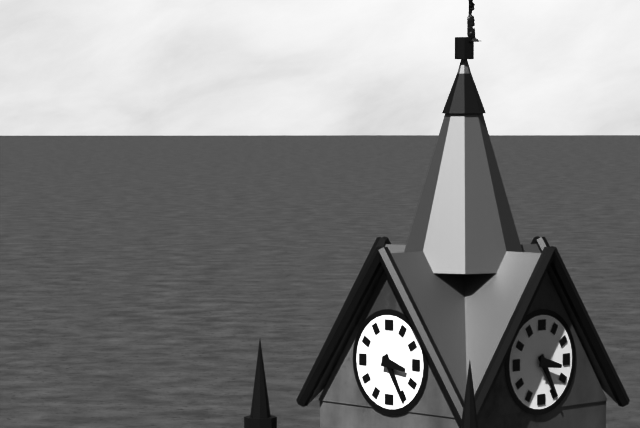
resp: 3,25
